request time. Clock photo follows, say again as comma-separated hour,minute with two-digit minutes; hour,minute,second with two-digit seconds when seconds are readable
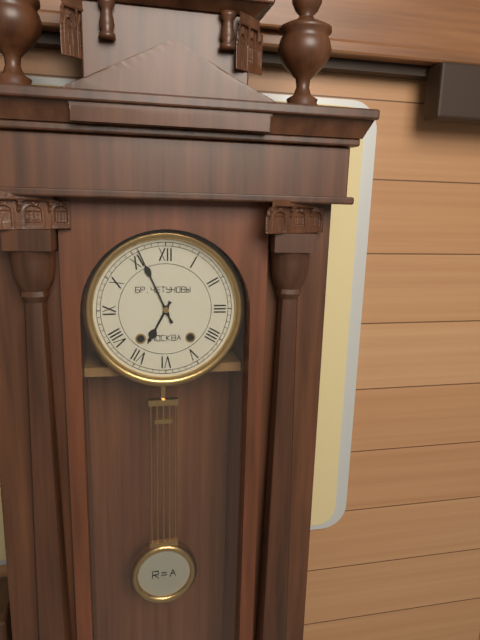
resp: 6,56
